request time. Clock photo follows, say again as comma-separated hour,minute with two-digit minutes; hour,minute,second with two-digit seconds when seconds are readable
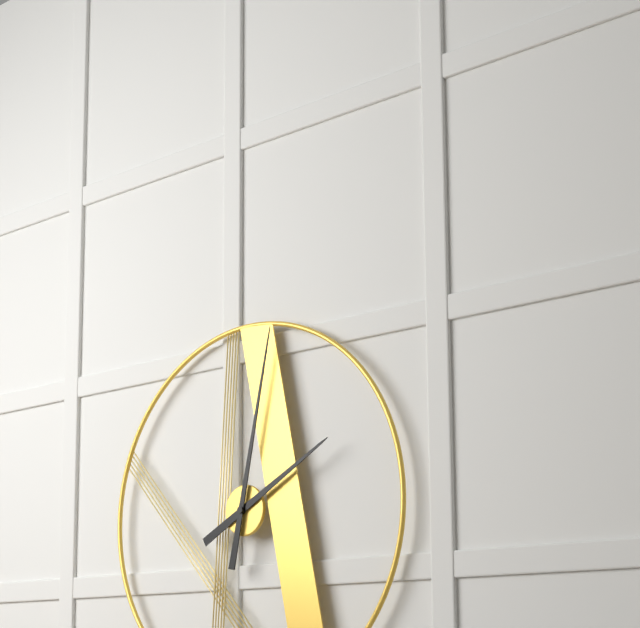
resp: 2,02
